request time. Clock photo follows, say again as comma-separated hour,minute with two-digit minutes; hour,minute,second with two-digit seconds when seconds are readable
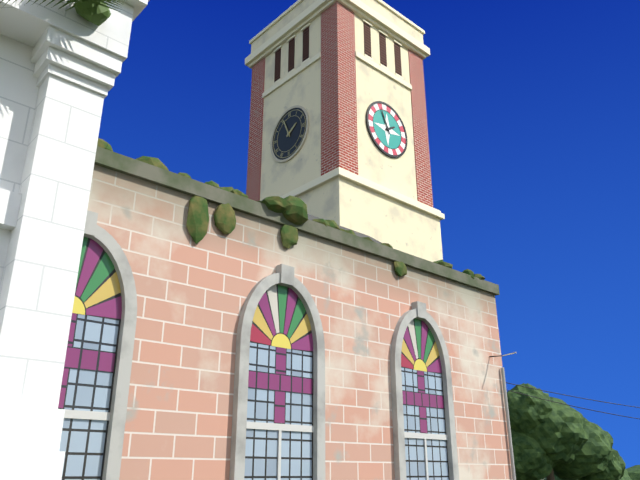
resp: 1,56
